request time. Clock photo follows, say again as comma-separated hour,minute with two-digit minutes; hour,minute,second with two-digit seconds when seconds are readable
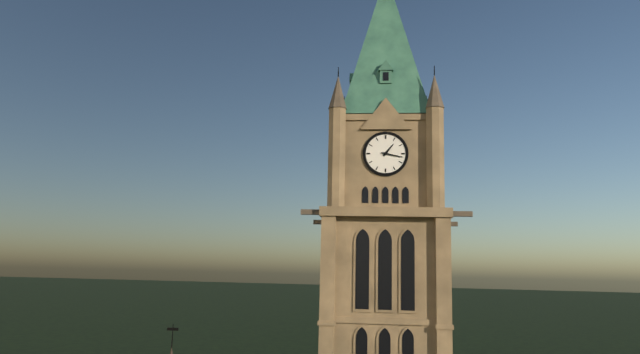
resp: 1,17
